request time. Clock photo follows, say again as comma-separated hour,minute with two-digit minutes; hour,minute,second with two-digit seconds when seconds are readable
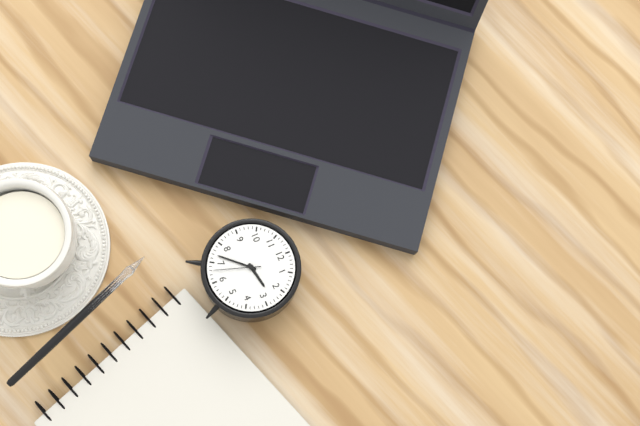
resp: 2,37
